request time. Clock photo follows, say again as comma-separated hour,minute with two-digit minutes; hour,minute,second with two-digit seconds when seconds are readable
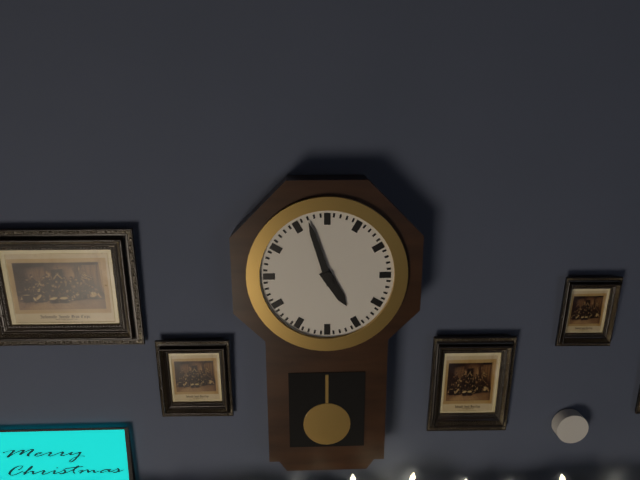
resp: 4,57
